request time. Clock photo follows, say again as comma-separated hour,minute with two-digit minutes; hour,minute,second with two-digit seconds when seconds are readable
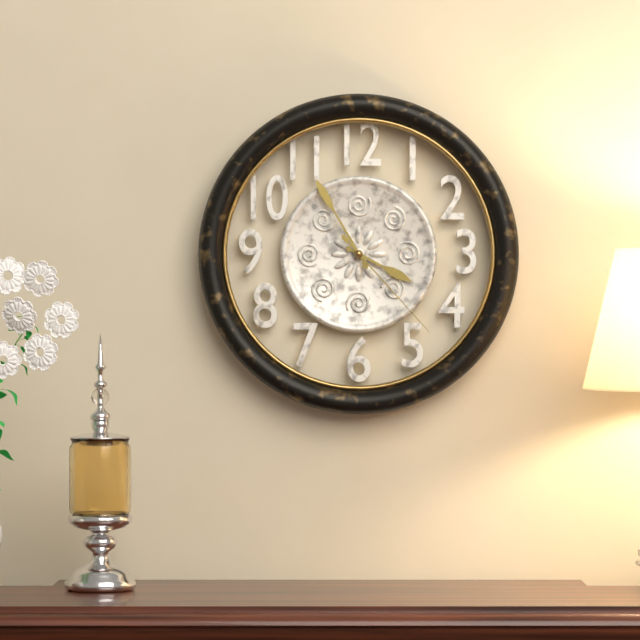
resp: 3,55,23
